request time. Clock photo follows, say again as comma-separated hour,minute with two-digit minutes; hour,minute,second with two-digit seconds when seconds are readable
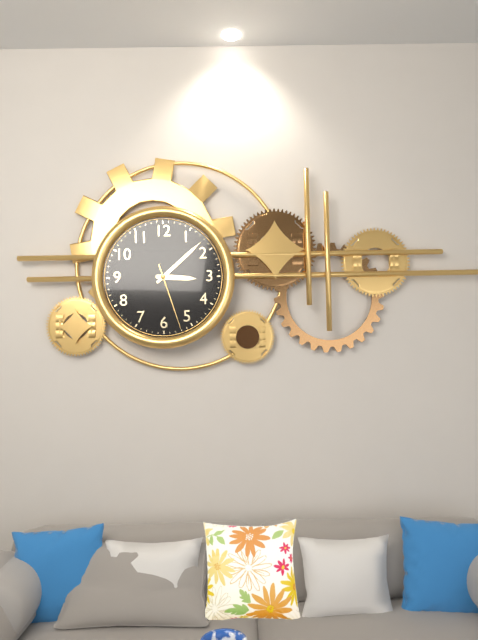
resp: 3,08,27
